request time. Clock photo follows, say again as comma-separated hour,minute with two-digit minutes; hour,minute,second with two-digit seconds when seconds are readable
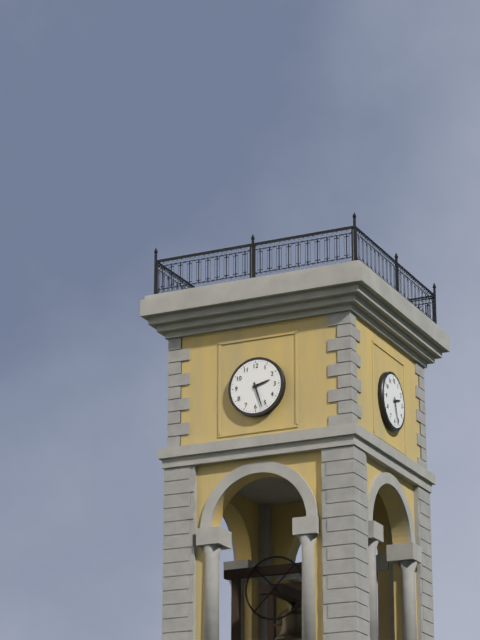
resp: 2,27
